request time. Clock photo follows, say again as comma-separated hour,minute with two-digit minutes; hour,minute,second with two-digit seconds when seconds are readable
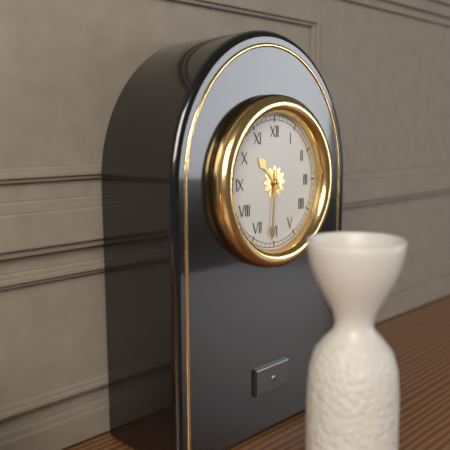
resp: 10,31
